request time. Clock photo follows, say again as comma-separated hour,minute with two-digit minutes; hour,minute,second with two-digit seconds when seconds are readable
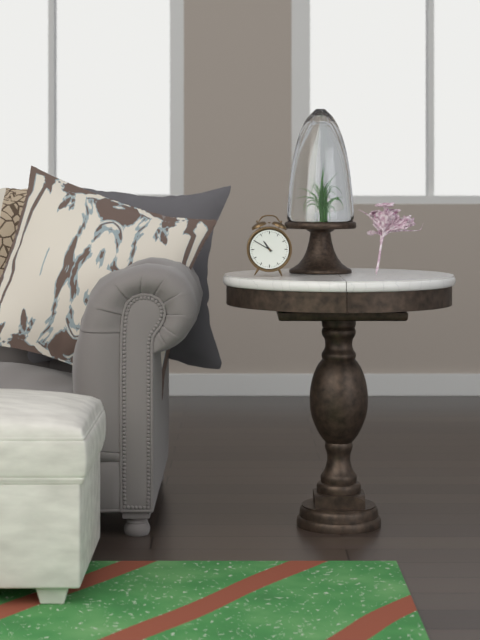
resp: 10,50
